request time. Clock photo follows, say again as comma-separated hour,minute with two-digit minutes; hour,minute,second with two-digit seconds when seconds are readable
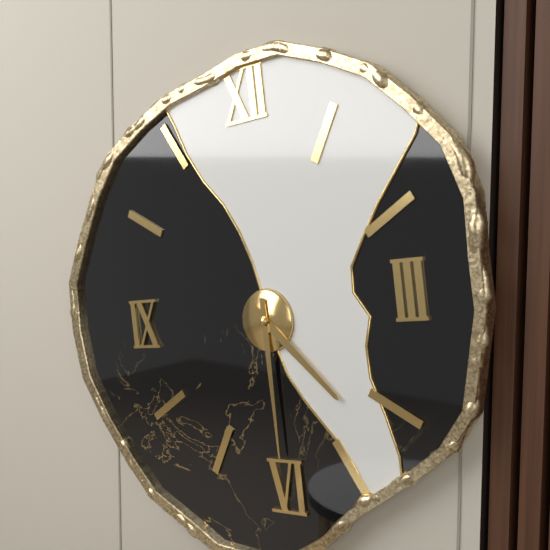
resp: 4,30
